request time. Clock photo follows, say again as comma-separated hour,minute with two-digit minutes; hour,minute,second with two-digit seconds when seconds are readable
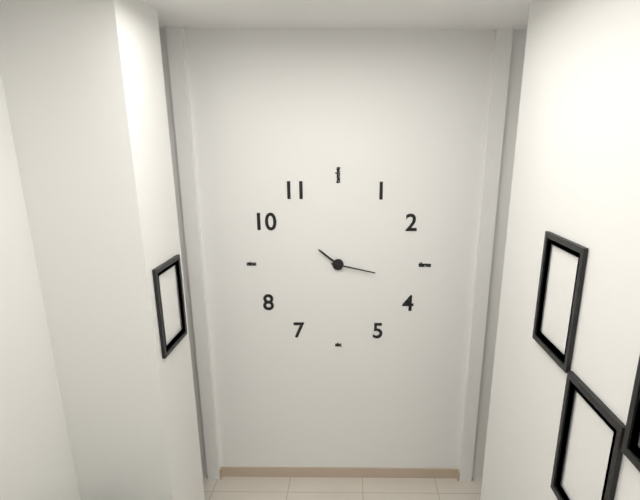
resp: 10,17
